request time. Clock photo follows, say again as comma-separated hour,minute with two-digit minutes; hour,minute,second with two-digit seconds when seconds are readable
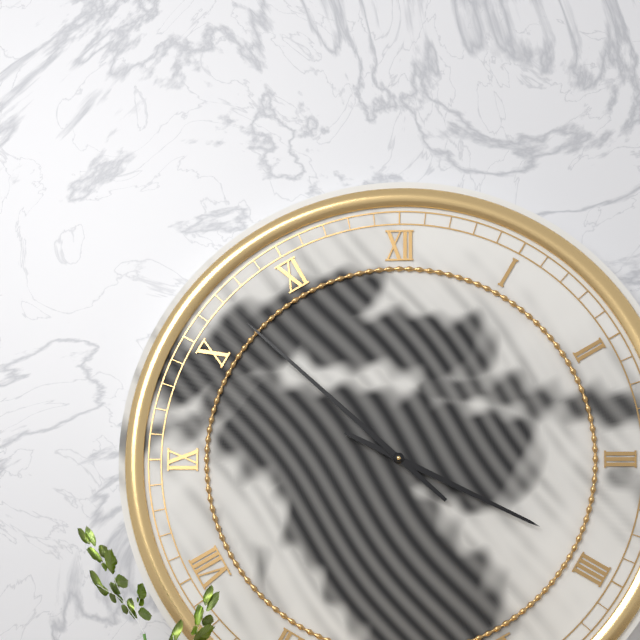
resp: 3,52
